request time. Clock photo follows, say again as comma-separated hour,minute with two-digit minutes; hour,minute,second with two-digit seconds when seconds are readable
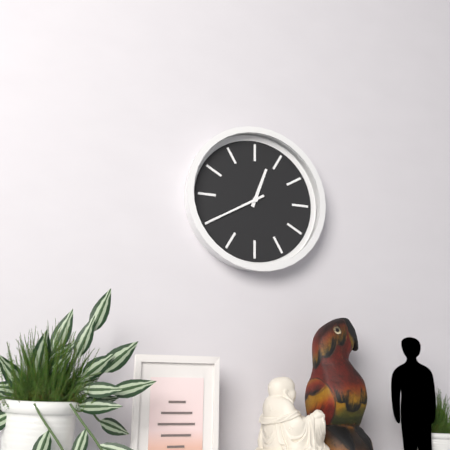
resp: 12,40
